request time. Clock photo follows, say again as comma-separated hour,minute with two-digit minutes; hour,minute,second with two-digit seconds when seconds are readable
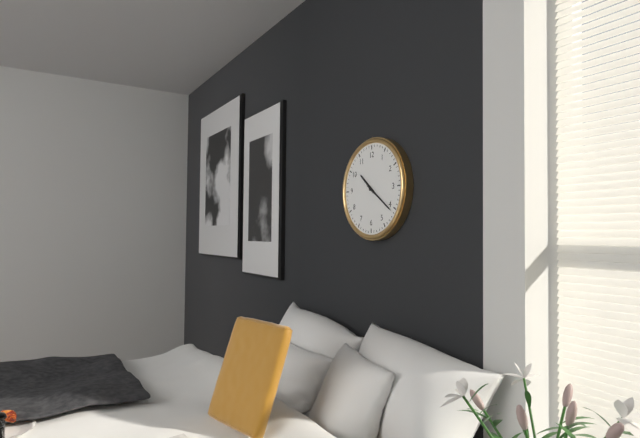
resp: 10,21
